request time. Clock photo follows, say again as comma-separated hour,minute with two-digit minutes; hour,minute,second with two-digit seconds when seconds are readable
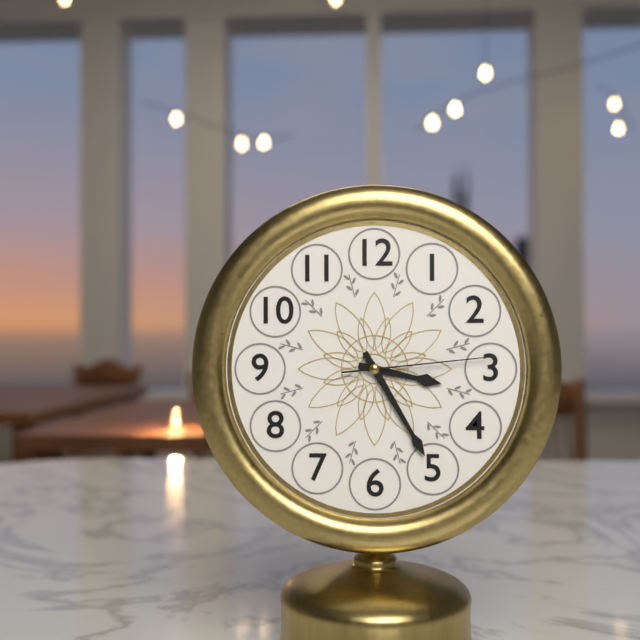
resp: 3,25,14
